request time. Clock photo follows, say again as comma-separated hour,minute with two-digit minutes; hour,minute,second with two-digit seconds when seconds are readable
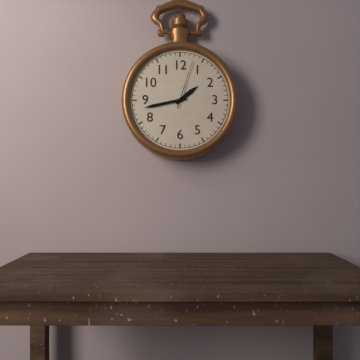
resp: 1,43,03
